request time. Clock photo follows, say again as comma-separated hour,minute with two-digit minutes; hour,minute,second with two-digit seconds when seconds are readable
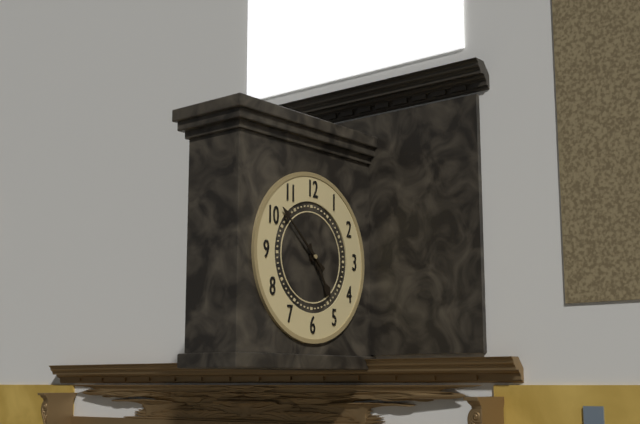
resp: 4,52
